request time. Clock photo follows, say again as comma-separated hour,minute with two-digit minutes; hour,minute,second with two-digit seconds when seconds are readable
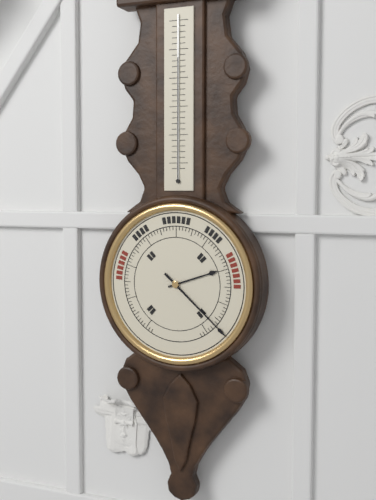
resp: 2,22
